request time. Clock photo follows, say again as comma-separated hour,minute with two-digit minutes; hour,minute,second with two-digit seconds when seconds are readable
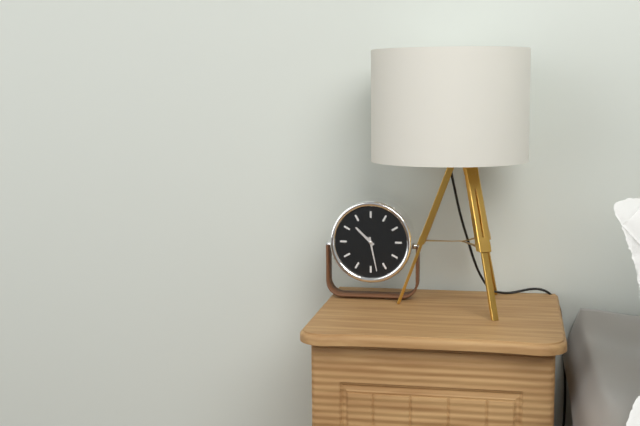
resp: 10,28
